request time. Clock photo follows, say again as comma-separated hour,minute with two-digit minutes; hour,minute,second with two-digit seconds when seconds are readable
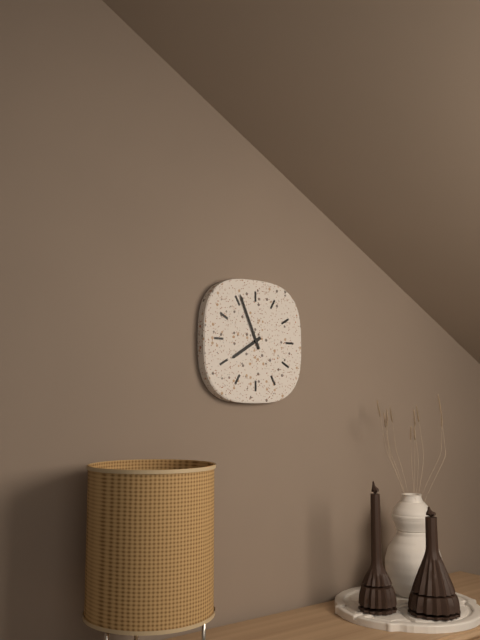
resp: 7,56
